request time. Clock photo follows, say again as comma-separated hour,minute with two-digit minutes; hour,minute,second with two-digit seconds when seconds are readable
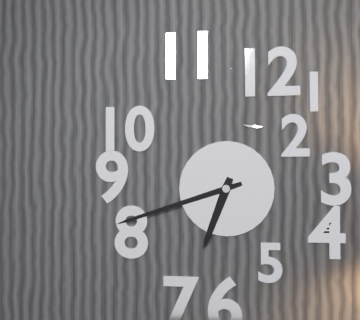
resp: 6,42
